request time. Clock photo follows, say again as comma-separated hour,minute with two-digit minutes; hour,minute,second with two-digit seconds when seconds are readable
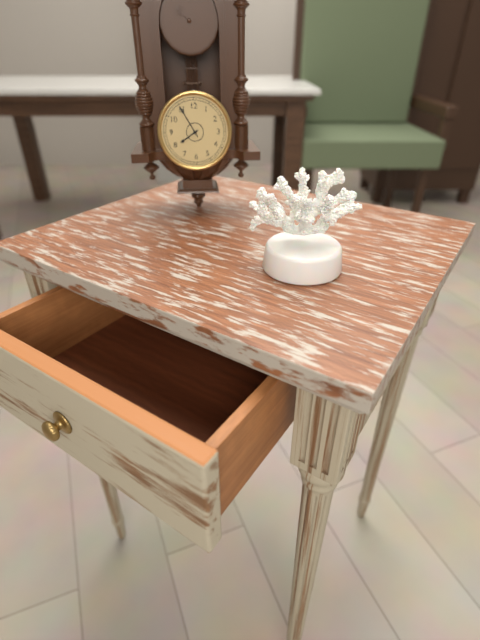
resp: 7,55
